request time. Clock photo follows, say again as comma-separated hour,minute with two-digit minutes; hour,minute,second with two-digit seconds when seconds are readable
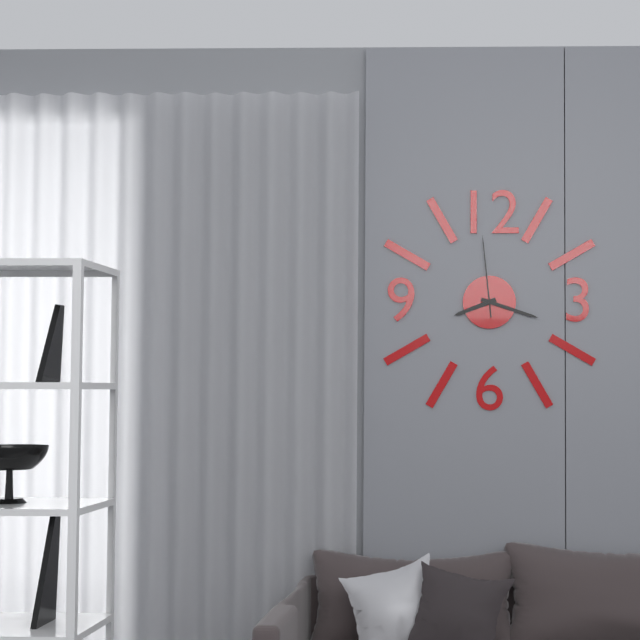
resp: 8,18,59
